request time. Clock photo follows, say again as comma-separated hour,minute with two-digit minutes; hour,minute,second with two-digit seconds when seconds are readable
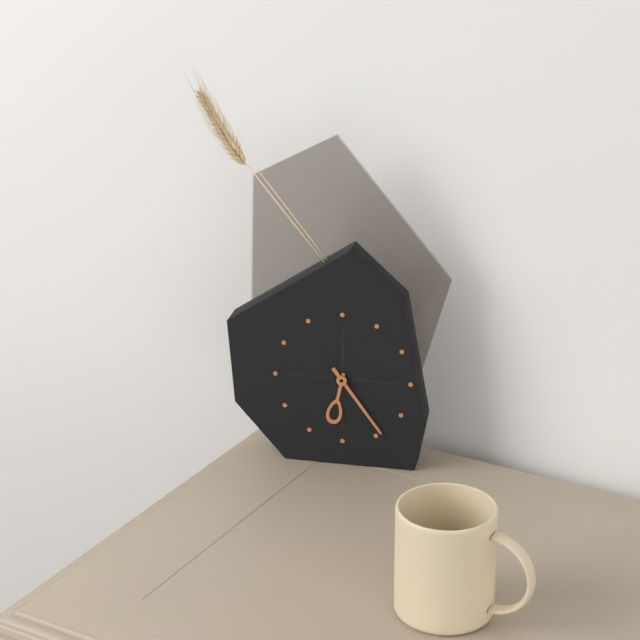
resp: 6,24
